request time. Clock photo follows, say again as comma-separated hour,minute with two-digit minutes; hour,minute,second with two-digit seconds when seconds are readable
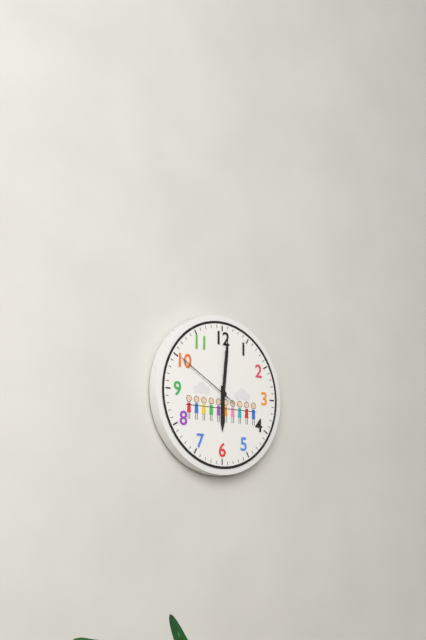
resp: 6,01,50
